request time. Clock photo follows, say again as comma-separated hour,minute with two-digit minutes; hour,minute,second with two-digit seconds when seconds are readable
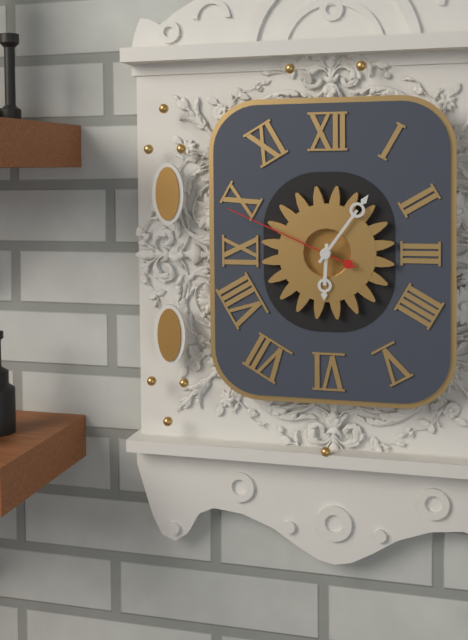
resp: 6,06,49
